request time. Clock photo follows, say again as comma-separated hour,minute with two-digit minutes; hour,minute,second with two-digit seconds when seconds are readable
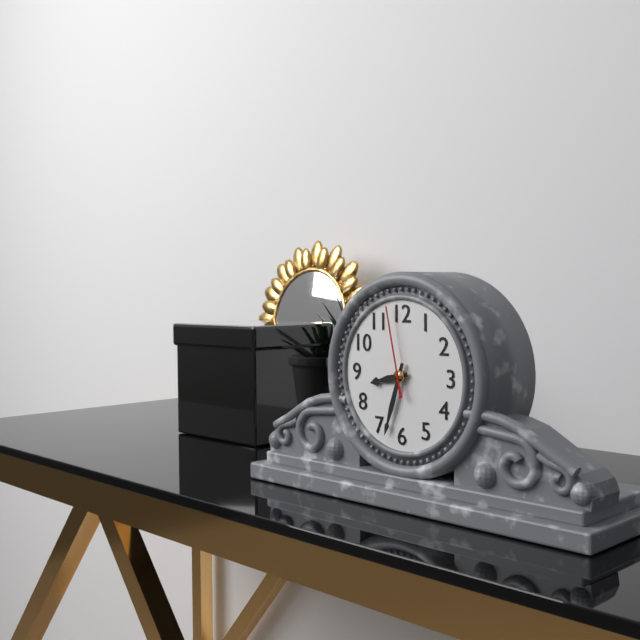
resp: 8,33,58
